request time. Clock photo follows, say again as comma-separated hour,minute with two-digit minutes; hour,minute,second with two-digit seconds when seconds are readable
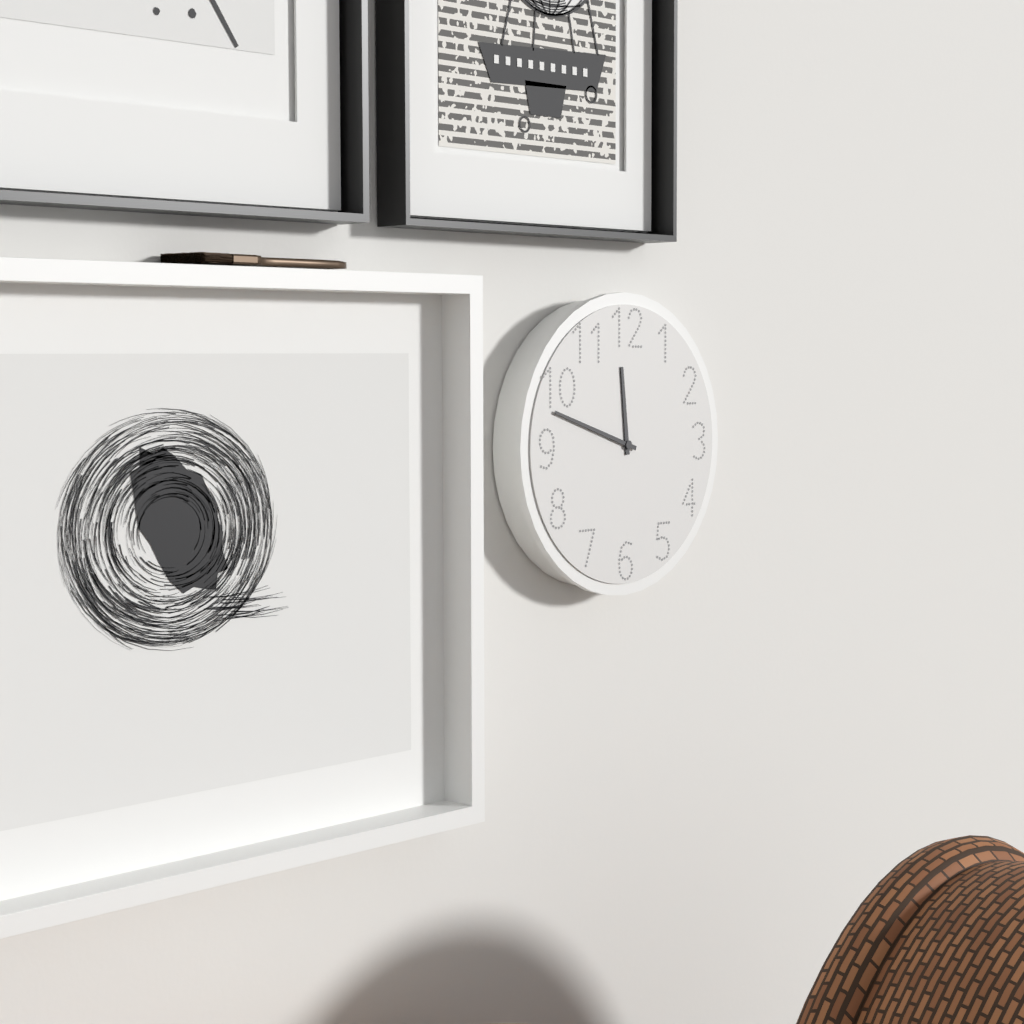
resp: 11,48
